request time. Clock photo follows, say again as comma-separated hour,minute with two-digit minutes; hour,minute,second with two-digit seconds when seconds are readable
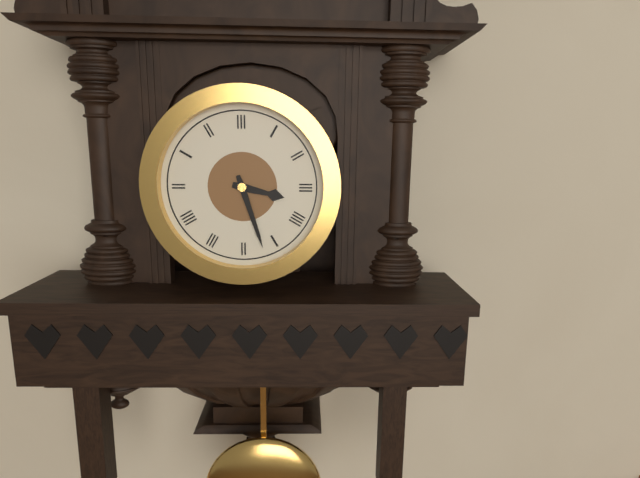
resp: 3,27
